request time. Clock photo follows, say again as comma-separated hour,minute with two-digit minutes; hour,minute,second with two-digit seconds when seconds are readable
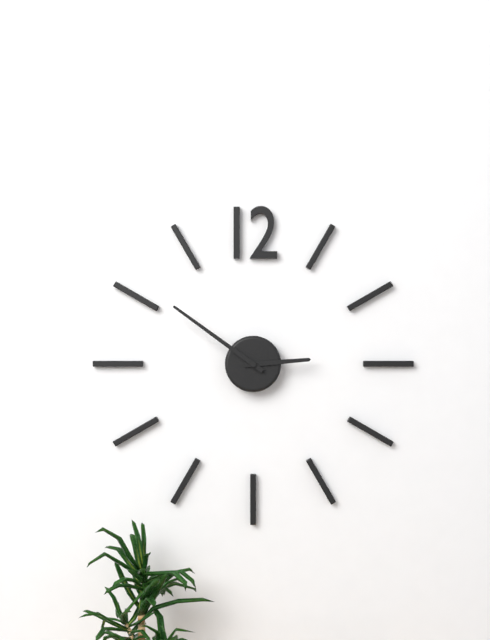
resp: 2,51
